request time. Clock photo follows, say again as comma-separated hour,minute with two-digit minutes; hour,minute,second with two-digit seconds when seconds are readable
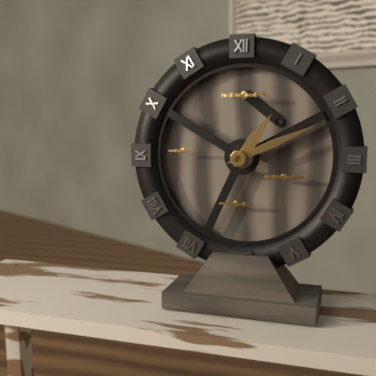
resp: 1,11
